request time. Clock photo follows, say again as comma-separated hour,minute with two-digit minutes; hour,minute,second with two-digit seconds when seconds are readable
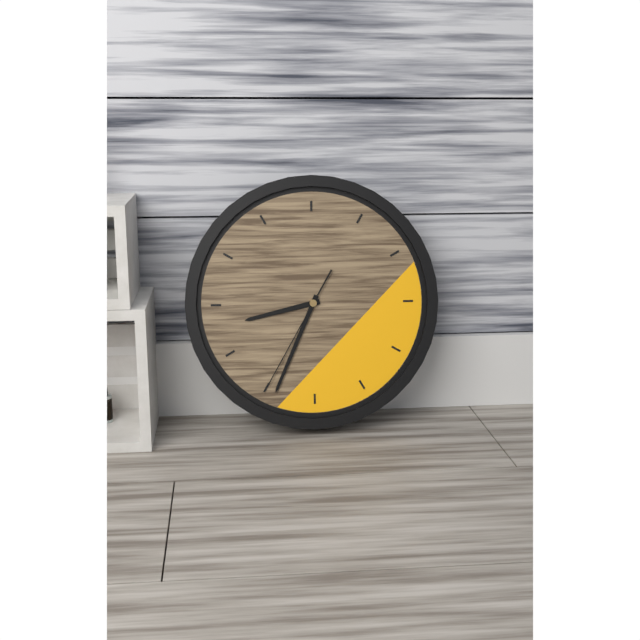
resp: 8,34,35
